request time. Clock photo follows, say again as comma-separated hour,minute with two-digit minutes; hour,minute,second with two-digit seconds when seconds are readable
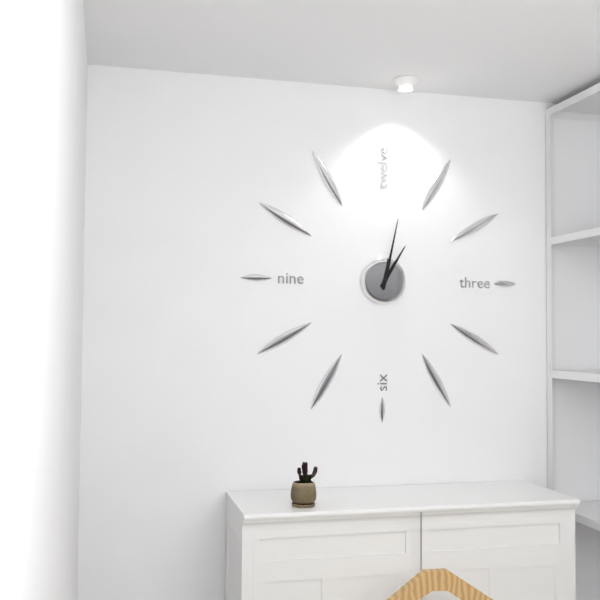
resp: 1,02
